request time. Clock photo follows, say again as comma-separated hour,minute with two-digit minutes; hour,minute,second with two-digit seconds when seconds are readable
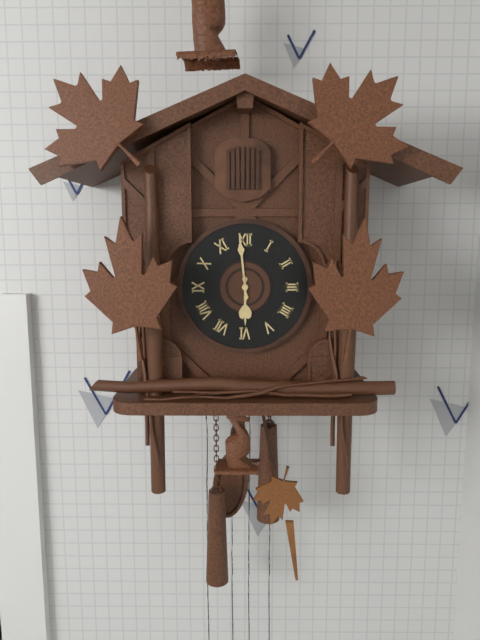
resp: 5,59
